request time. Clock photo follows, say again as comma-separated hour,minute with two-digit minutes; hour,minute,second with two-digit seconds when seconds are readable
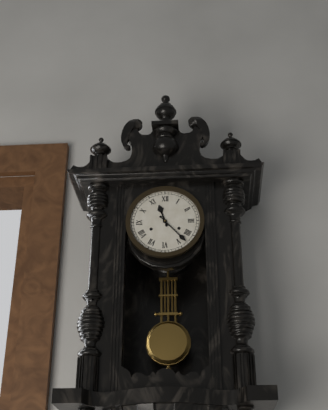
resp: 11,23
